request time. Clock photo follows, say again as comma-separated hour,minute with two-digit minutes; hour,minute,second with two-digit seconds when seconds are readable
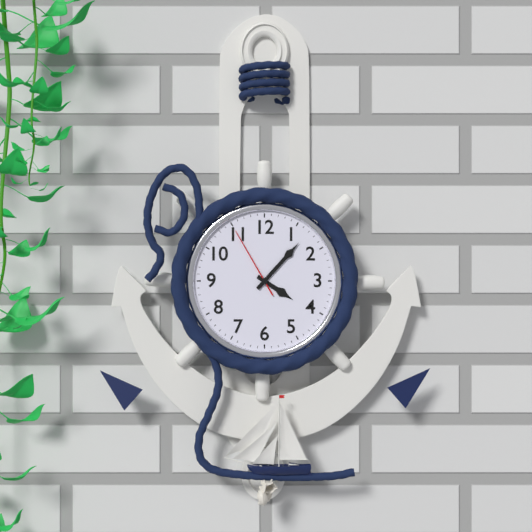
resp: 4,07,55
